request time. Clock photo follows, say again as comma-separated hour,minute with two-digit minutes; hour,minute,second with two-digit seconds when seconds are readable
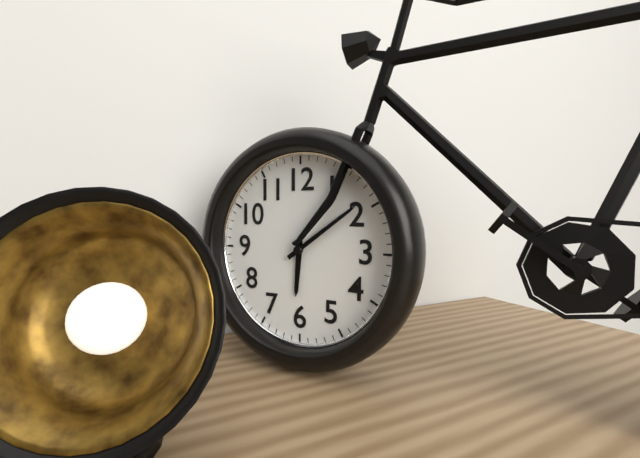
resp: 6,09
